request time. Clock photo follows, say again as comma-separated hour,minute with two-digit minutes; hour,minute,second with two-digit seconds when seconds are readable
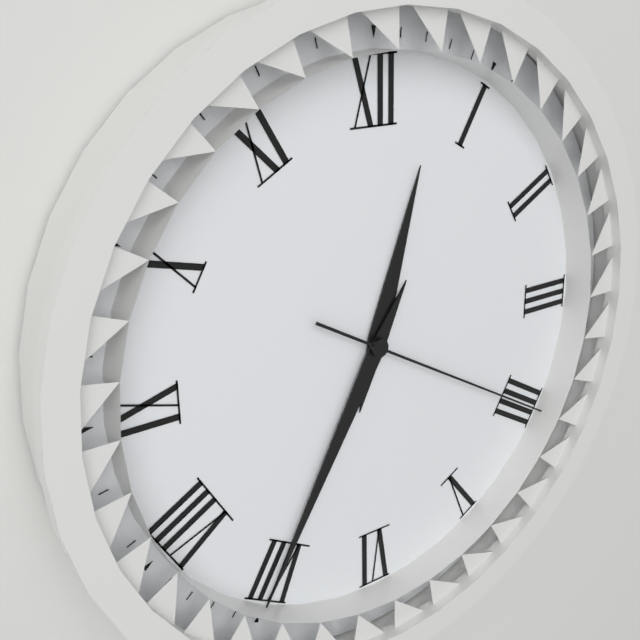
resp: 12,35,20
